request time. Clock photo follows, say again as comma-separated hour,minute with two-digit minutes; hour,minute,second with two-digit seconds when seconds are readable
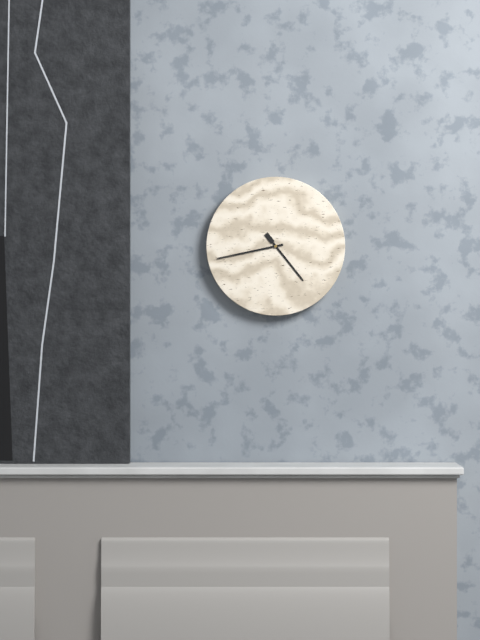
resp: 4,43
